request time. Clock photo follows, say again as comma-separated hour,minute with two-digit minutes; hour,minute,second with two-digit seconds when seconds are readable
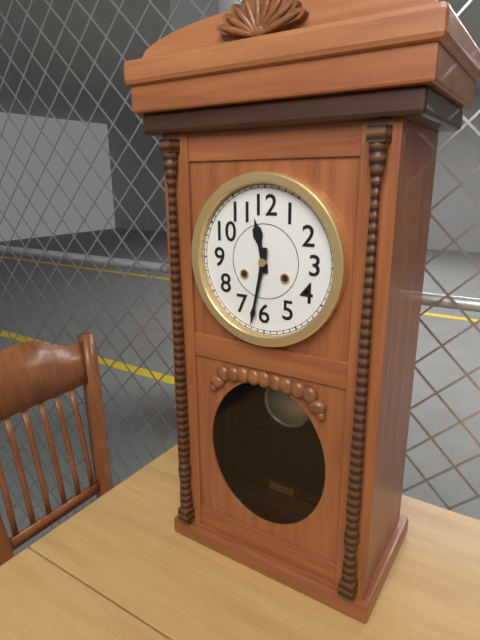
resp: 11,32
